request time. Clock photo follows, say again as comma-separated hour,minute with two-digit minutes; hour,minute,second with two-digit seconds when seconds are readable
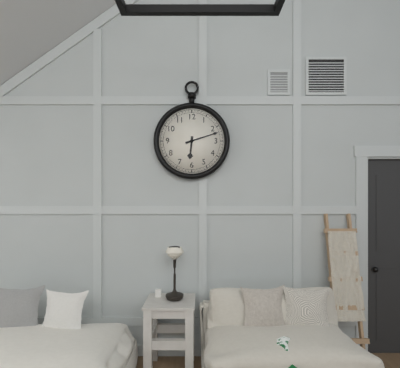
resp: 6,12
